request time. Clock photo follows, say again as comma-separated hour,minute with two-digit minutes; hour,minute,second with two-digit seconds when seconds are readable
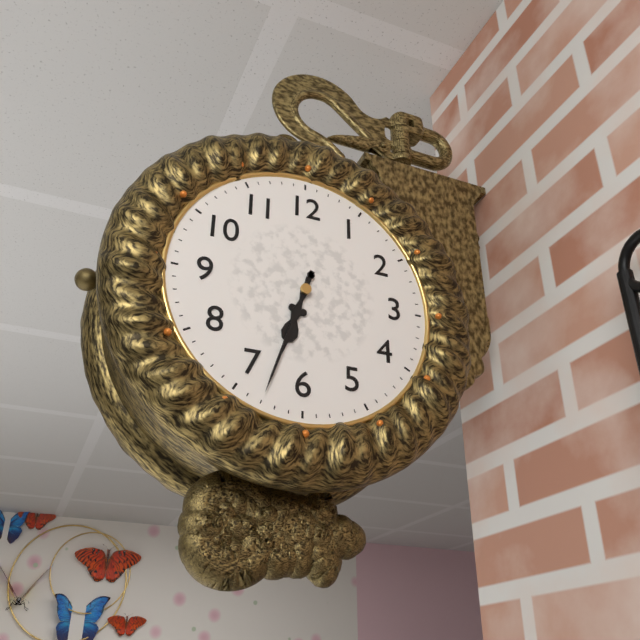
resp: 6,33
